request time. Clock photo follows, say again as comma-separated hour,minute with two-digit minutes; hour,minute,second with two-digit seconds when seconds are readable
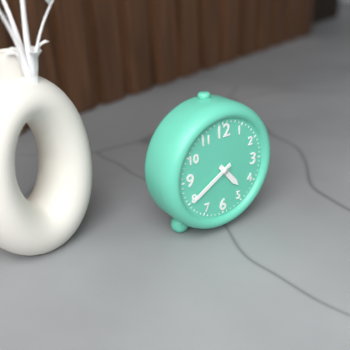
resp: 4,40
